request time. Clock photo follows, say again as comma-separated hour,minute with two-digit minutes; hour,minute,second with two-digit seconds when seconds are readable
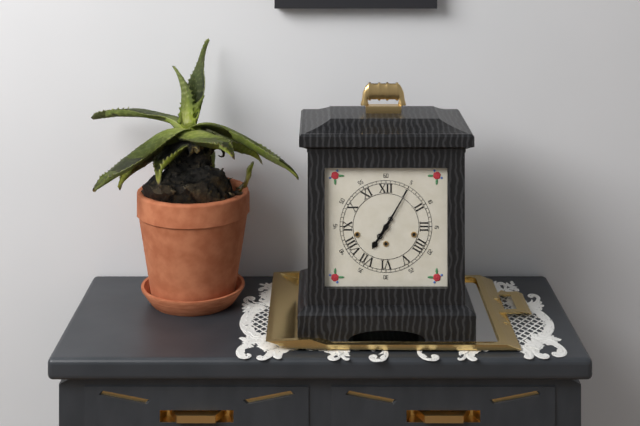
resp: 7,05
